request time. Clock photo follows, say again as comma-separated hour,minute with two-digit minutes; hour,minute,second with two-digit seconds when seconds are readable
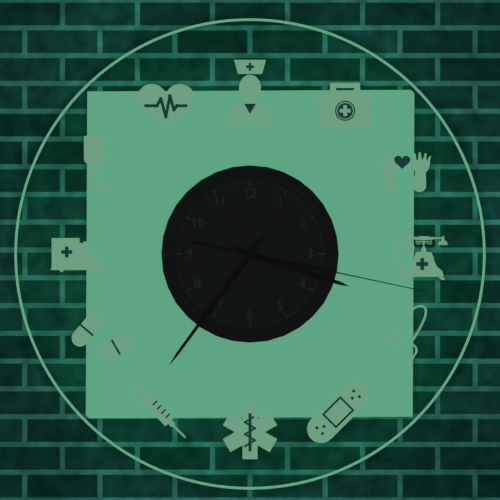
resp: 3,36,17
